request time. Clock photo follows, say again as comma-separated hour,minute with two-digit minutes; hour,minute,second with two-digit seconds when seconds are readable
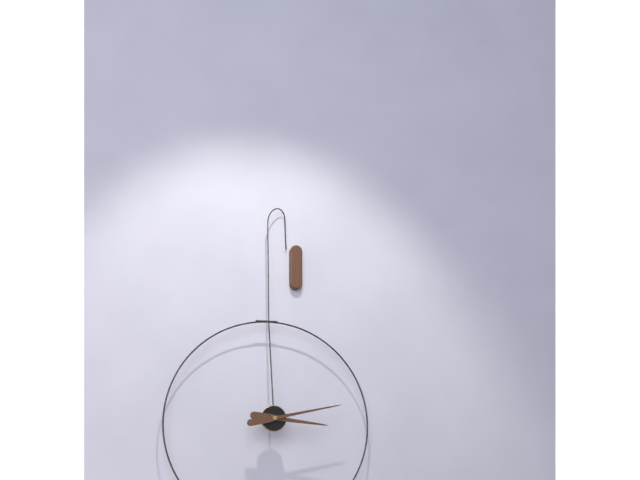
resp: 3,13
